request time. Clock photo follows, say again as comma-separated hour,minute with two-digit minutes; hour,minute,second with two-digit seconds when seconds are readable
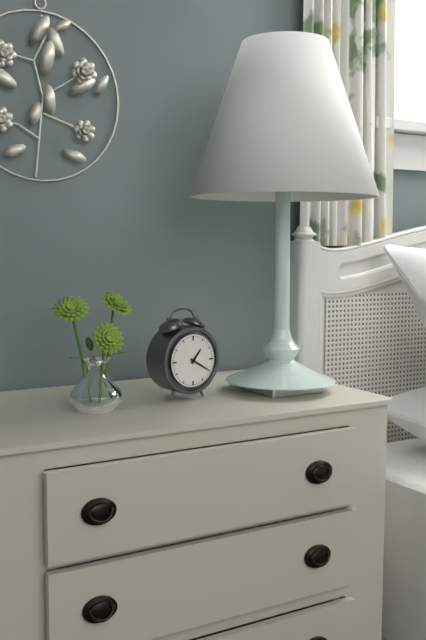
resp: 1,20
